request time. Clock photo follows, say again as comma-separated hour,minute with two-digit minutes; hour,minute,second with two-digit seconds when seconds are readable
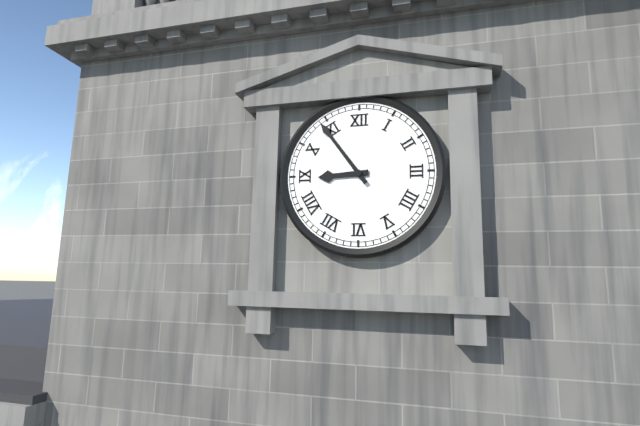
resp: 8,54
